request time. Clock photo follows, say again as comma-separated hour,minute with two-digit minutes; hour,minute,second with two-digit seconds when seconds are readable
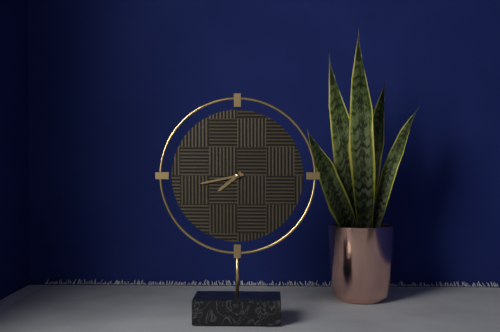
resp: 7,43
